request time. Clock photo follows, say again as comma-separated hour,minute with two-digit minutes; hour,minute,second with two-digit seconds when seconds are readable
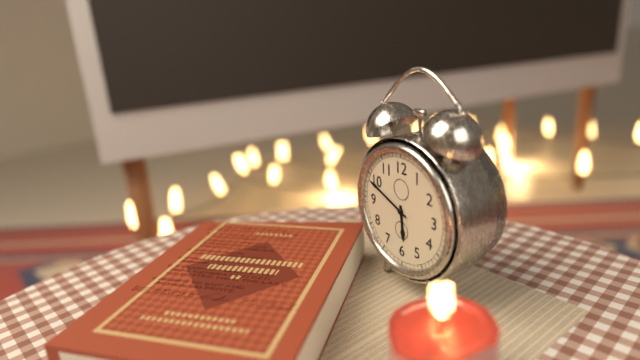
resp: 5,49
